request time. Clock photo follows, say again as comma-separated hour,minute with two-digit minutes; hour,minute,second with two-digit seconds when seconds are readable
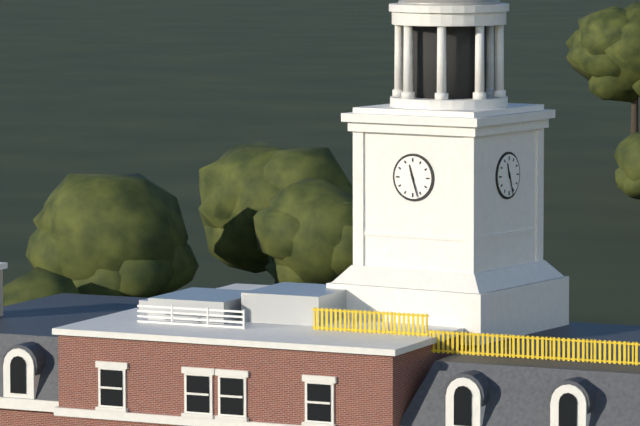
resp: 11,27
